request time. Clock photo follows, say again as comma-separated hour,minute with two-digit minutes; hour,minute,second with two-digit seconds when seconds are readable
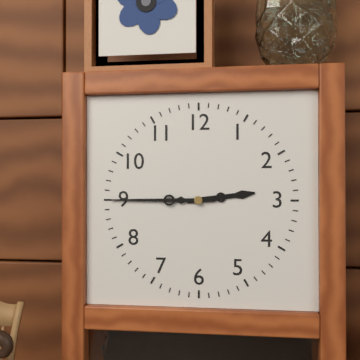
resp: 2,45
